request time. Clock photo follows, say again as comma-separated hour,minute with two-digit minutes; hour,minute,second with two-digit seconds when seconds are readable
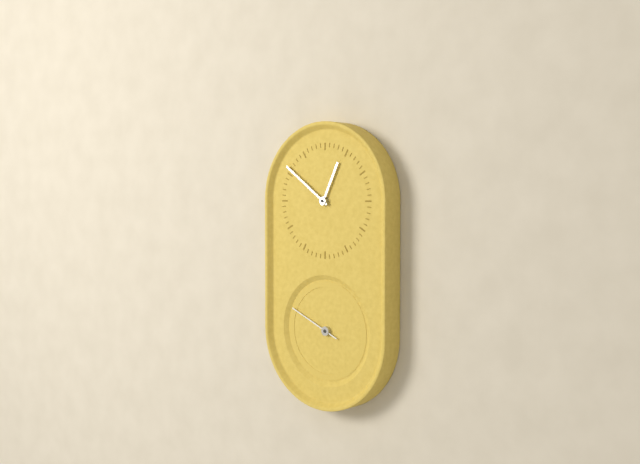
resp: 12,51,49
